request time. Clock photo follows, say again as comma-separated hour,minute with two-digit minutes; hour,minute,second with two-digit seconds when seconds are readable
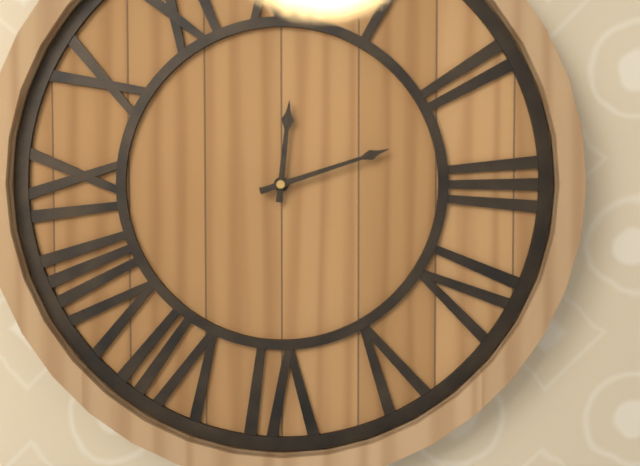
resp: 12,12
